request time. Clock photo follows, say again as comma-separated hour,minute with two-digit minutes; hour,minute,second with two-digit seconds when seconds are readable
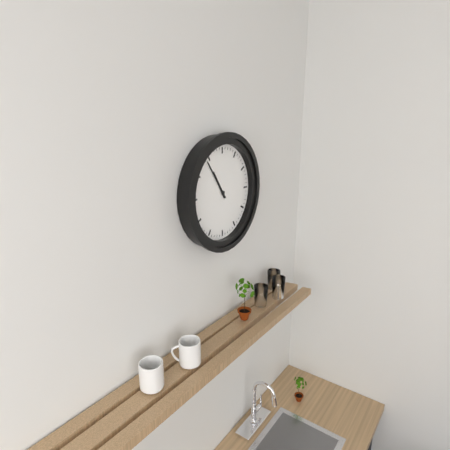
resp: 10,54
